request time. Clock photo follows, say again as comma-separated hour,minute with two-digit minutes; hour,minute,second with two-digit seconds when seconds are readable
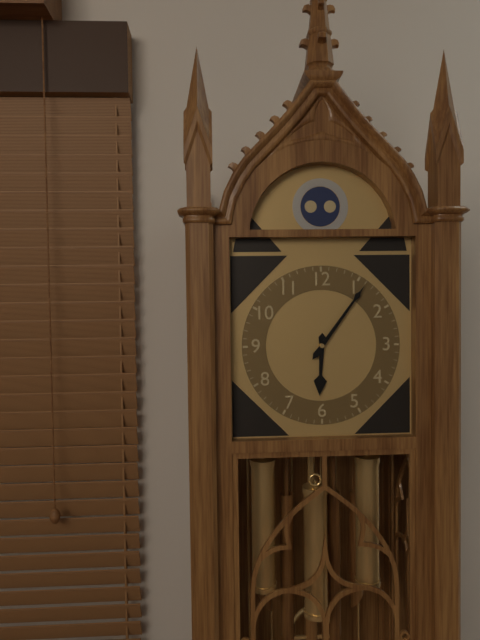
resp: 6,06
